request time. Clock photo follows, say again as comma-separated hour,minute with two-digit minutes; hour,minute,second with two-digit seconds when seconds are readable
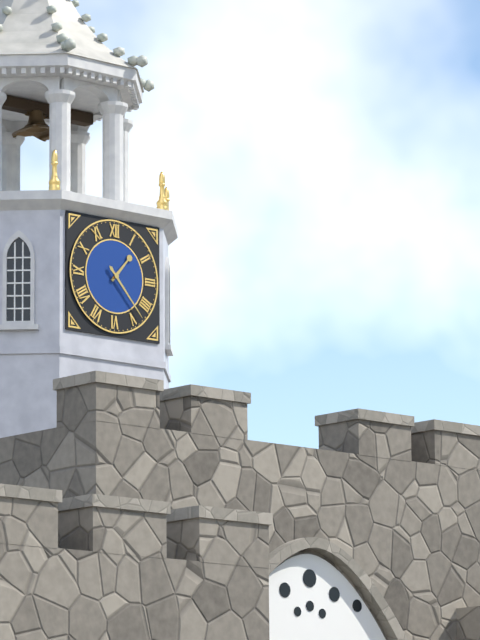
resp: 1,23
